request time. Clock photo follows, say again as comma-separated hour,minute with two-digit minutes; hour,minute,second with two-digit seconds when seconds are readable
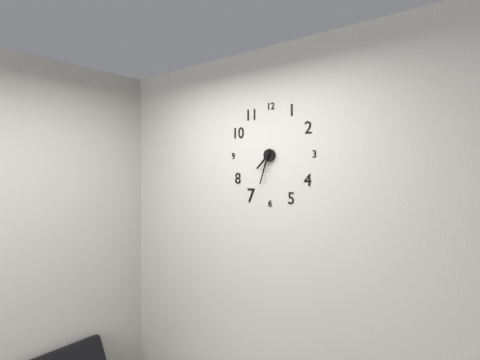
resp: 7,33
